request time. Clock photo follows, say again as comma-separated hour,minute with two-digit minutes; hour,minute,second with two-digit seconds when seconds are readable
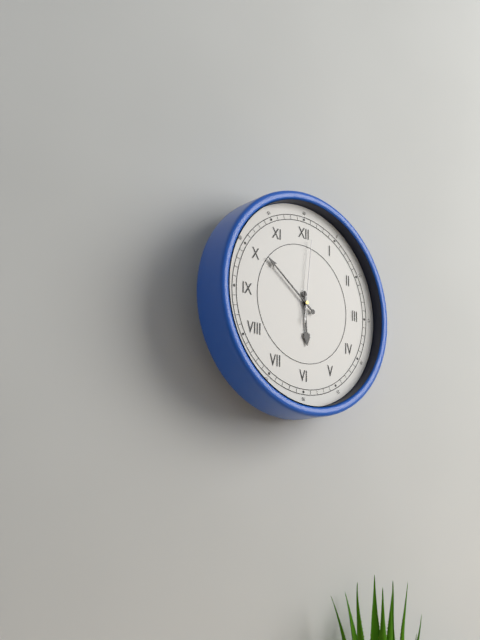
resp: 5,51,01
